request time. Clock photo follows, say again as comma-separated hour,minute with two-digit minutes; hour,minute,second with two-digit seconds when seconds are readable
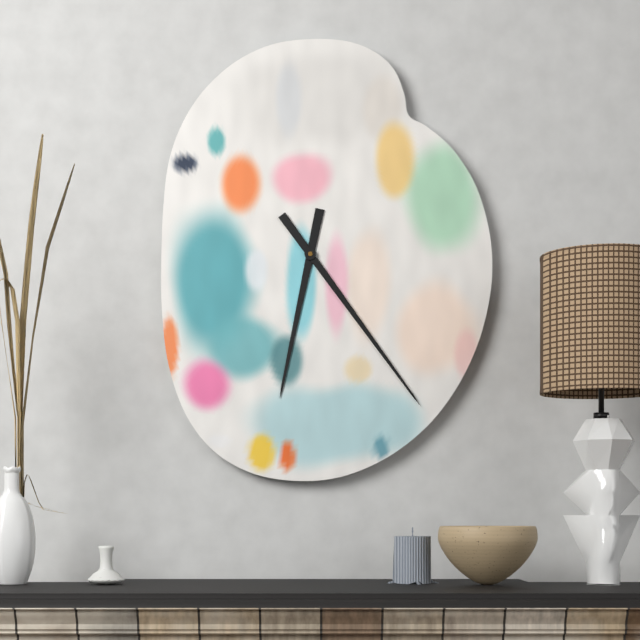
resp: 6,24
